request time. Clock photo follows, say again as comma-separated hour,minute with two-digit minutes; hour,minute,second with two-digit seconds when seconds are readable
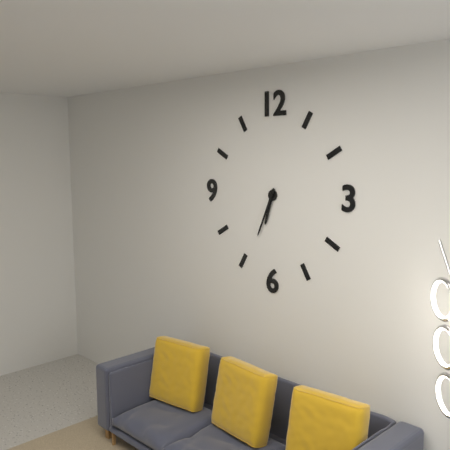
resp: 6,34
